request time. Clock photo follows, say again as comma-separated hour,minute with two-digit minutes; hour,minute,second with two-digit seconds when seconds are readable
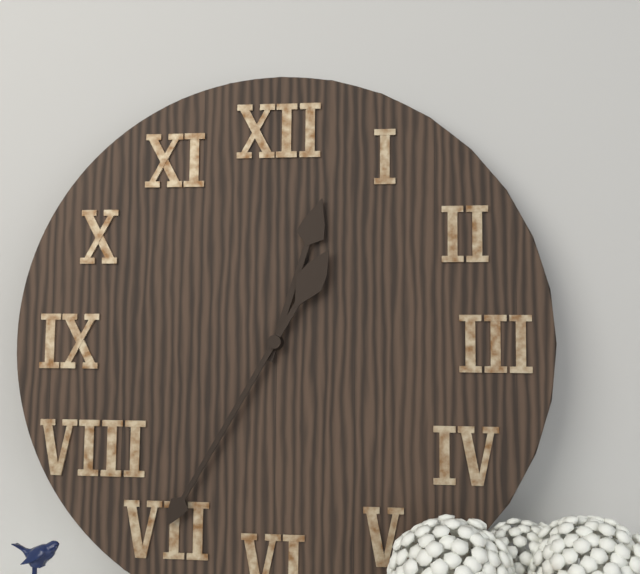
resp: 12,35
